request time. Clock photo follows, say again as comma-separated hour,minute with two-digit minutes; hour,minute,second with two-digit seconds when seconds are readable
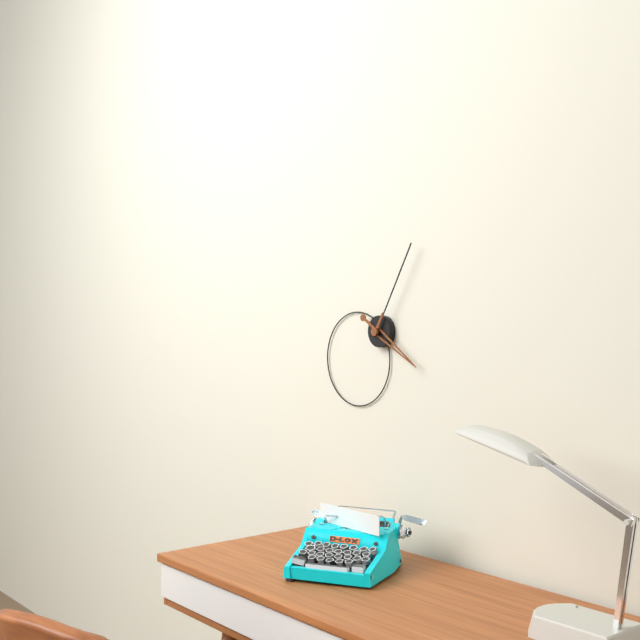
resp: 4,05
